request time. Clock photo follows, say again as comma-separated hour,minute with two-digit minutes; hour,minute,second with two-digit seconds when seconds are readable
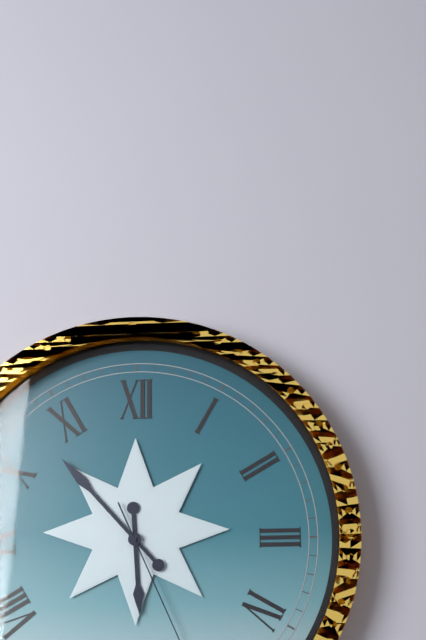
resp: 5,53
